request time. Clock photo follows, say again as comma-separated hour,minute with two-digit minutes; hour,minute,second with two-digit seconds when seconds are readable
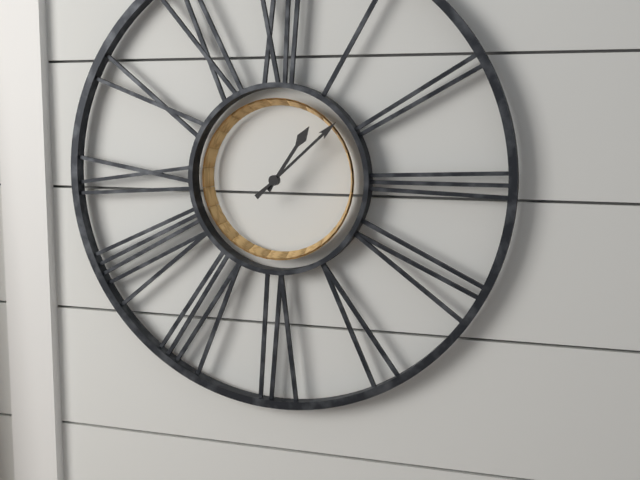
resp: 1,08
